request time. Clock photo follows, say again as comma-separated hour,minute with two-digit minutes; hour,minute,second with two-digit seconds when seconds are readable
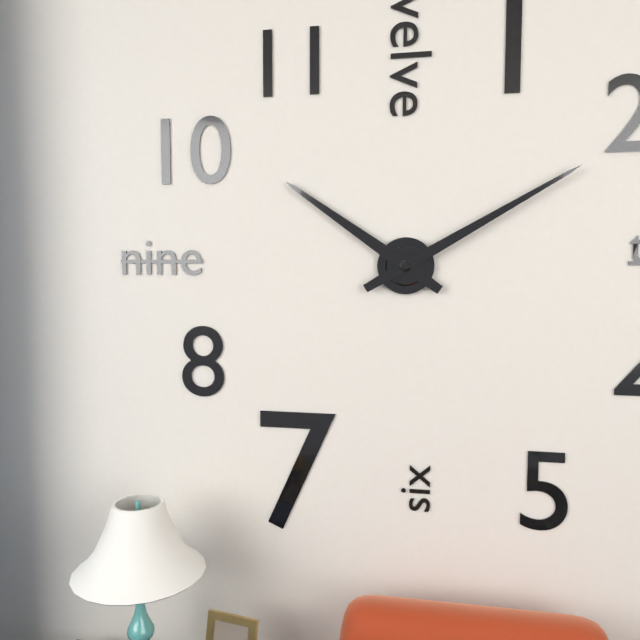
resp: 10,10
